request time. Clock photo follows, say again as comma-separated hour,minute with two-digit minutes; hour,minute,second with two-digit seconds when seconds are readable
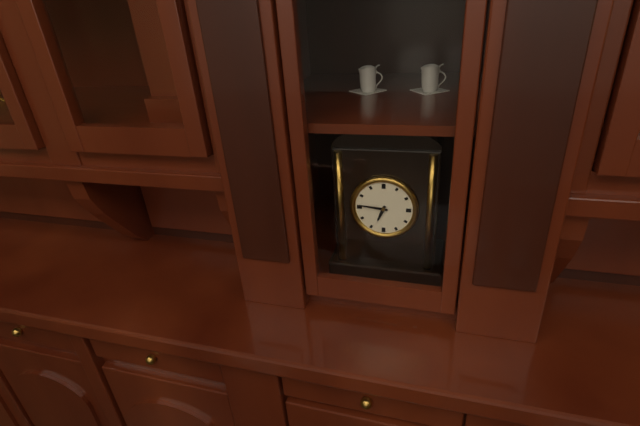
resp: 6,46
